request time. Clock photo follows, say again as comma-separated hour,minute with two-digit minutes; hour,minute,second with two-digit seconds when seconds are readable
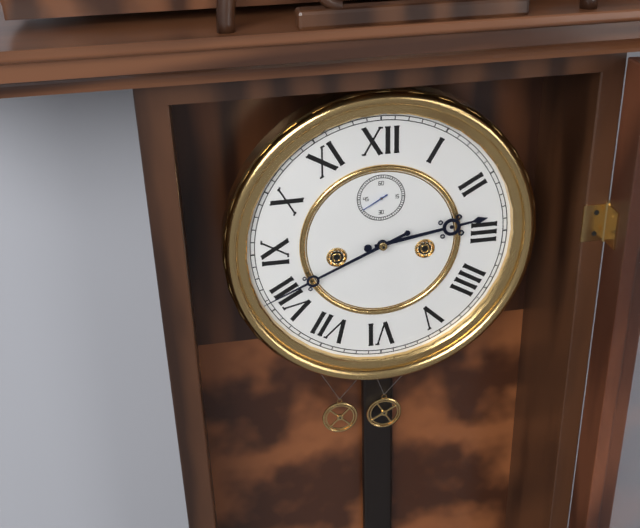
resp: 2,41
